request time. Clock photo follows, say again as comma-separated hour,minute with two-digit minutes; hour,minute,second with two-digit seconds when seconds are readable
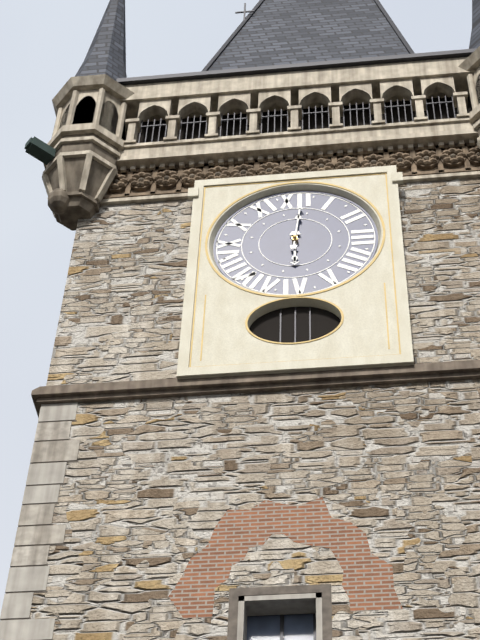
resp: 6,01
